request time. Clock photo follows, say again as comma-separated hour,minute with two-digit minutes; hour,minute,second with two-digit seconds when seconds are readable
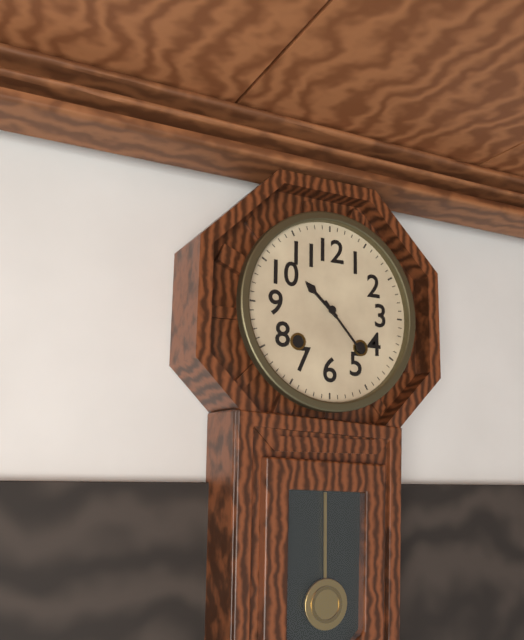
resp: 10,23
